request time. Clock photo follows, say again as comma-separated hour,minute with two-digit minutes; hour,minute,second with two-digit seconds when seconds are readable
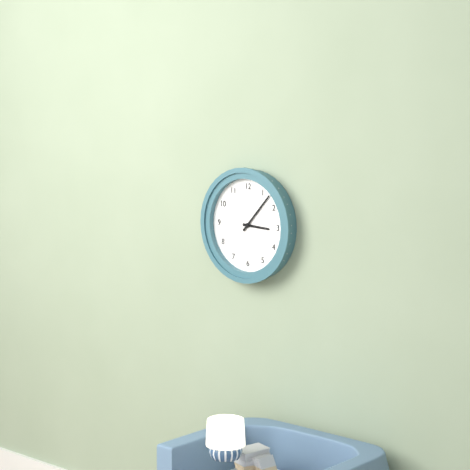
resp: 3,07
